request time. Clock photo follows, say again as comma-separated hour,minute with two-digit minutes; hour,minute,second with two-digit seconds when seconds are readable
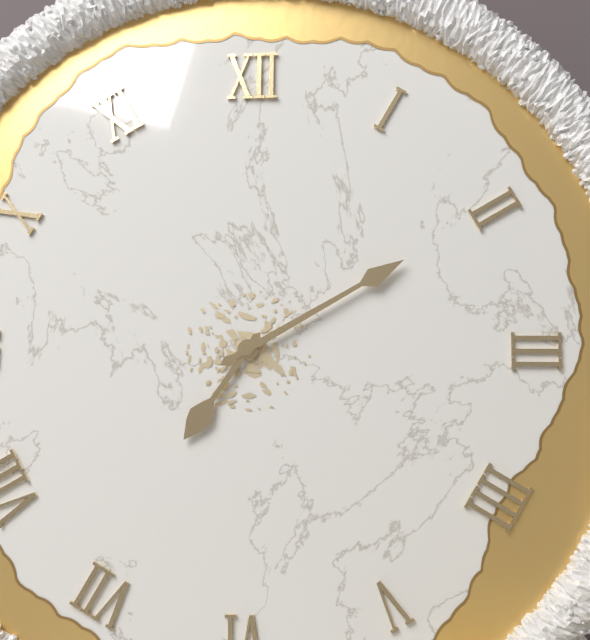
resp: 7,10
